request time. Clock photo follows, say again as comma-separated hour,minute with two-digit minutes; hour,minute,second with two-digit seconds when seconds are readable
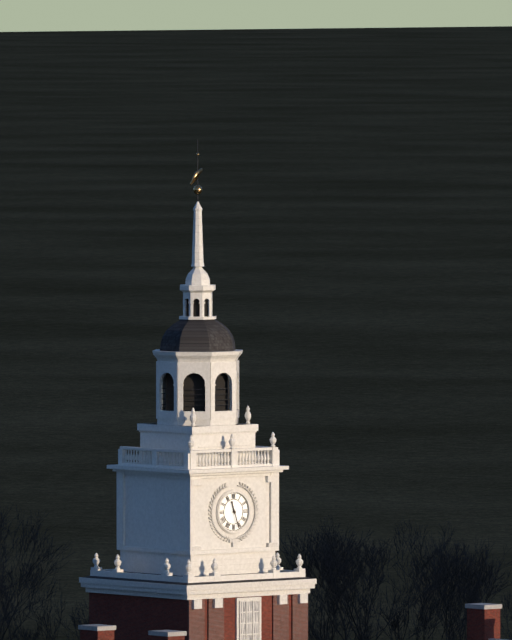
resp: 11,27
